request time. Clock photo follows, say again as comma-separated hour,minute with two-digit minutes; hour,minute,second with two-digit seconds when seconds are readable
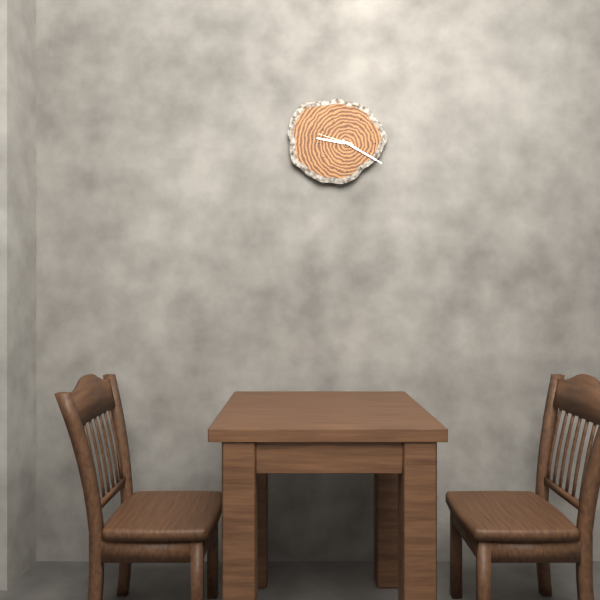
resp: 9,20
